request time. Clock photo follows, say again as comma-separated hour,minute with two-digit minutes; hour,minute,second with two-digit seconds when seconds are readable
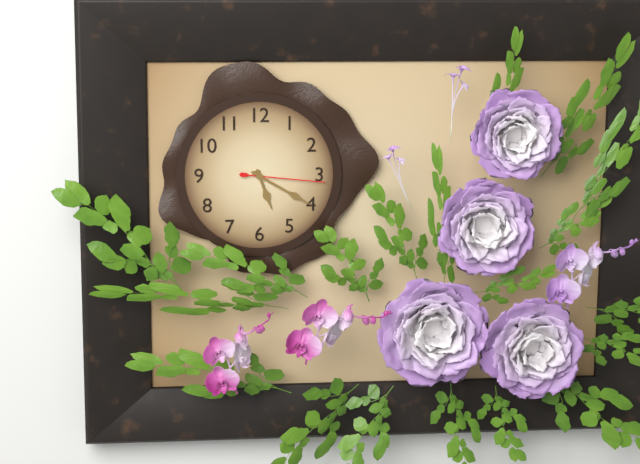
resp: 5,20,16
